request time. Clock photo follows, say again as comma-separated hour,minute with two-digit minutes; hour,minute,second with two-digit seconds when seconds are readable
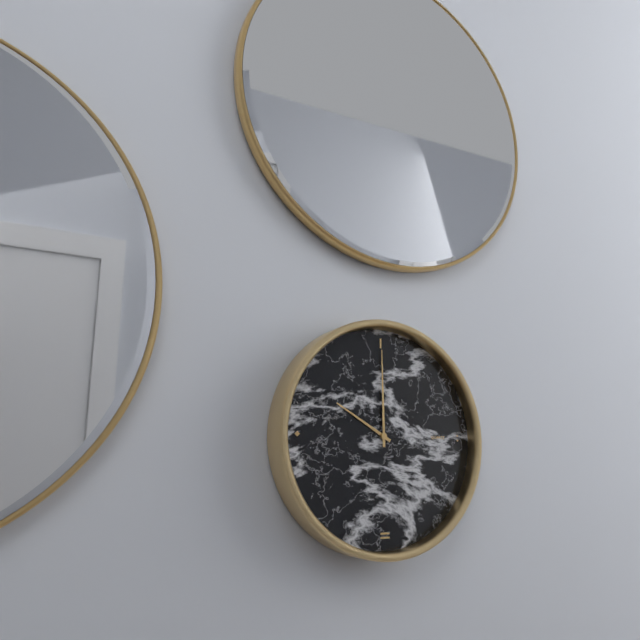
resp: 10,00
